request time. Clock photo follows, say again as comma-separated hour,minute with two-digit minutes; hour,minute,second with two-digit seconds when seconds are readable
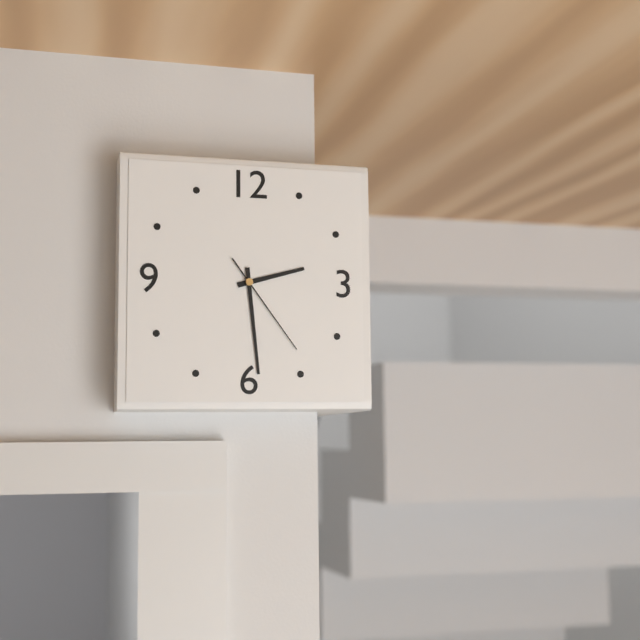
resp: 2,29,24
